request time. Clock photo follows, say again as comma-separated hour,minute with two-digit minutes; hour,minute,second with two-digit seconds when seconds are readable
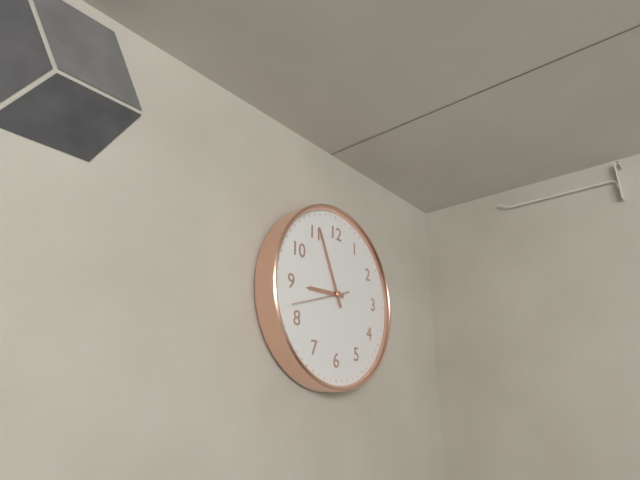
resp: 8,56,42
